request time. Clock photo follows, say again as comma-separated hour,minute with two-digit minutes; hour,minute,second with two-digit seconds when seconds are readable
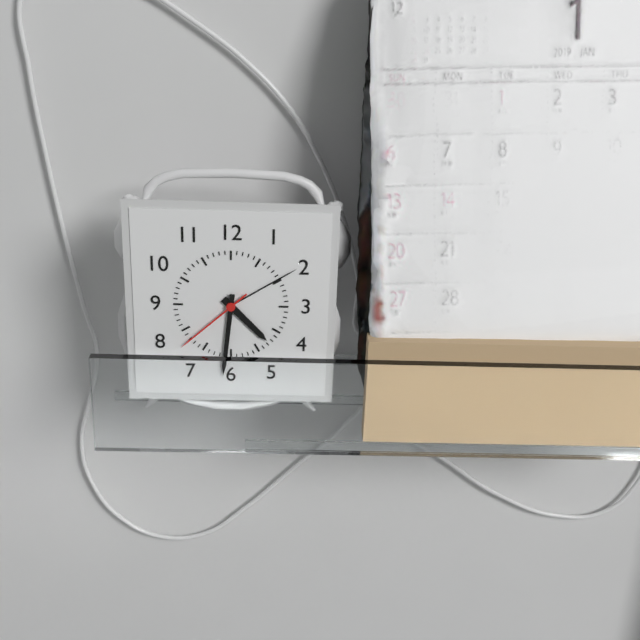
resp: 4,31,38
